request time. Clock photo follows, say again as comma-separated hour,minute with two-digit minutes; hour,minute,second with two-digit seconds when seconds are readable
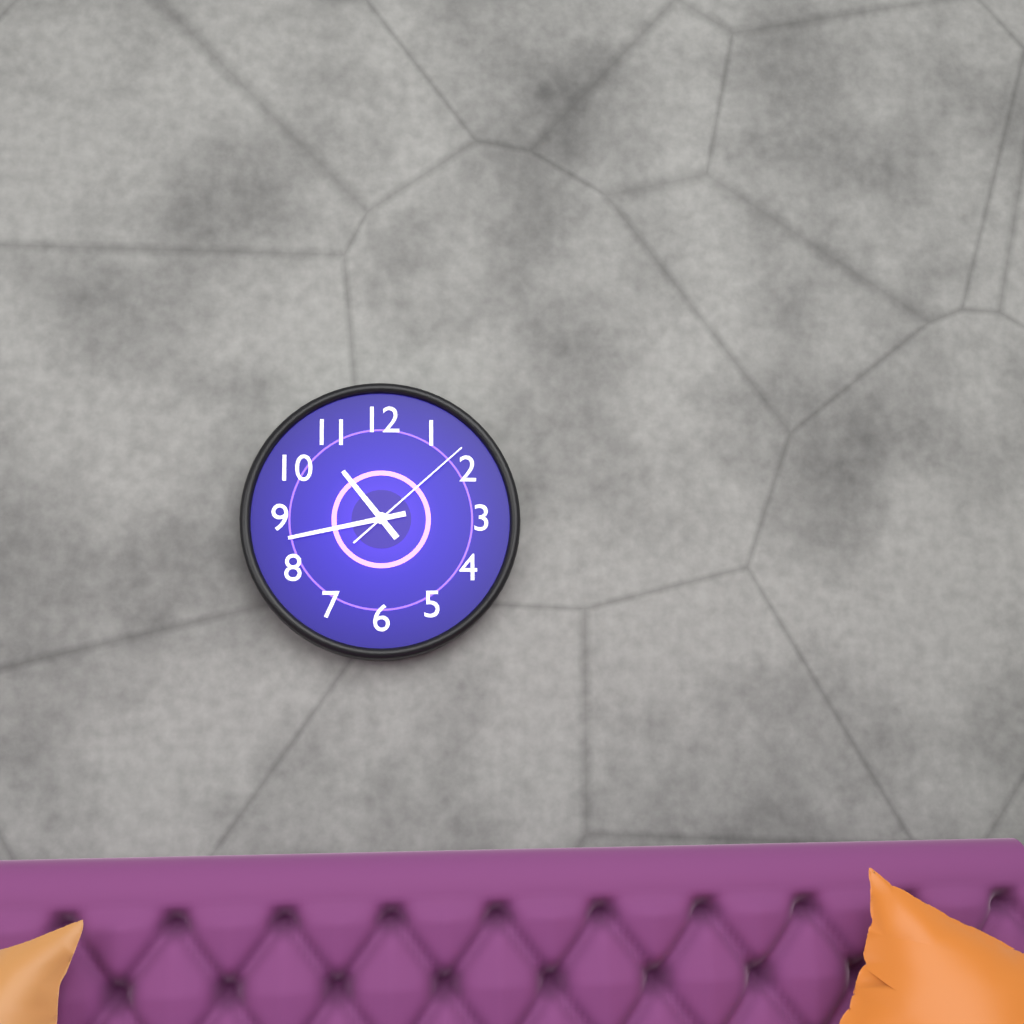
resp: 10,43,08
